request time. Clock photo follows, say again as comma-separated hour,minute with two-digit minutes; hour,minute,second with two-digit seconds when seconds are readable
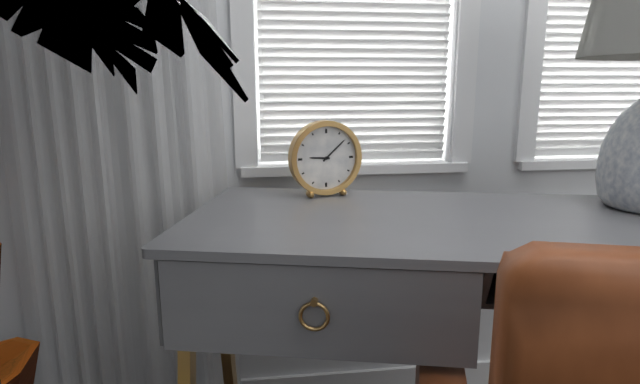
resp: 9,08
